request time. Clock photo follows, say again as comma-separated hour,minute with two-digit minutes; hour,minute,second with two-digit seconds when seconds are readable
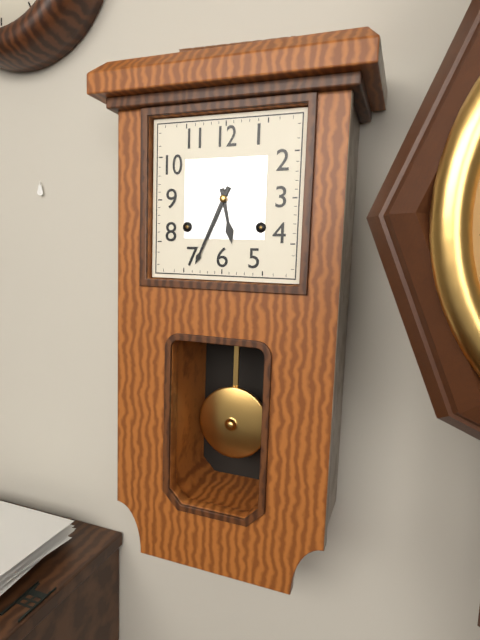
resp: 5,34
